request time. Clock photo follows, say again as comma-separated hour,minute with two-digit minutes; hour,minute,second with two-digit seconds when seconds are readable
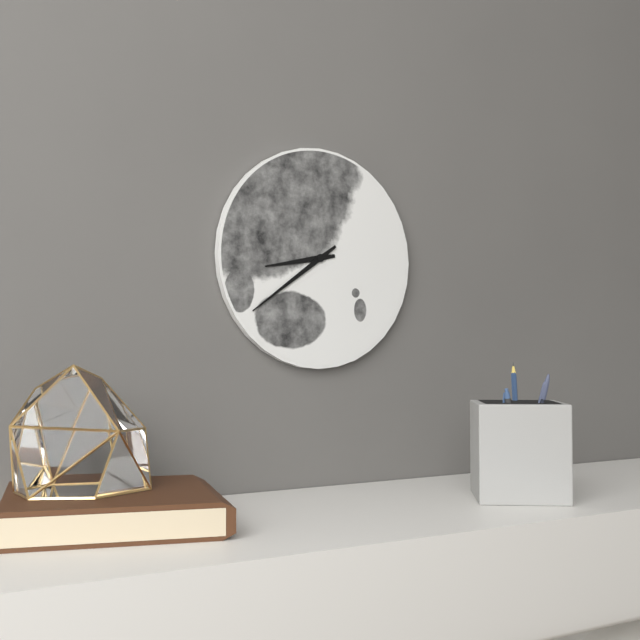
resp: 8,39
